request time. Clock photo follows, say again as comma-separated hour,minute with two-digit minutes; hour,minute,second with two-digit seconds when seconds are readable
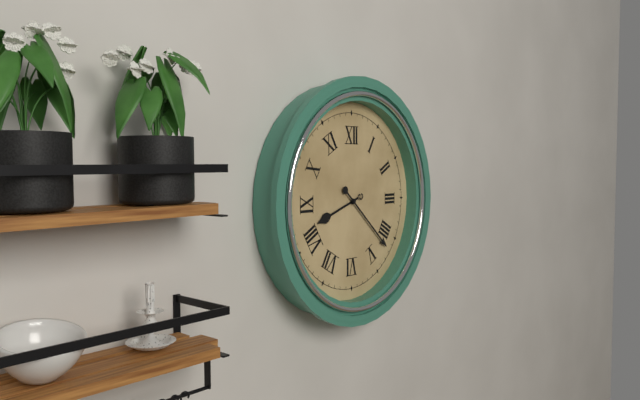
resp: 8,22
